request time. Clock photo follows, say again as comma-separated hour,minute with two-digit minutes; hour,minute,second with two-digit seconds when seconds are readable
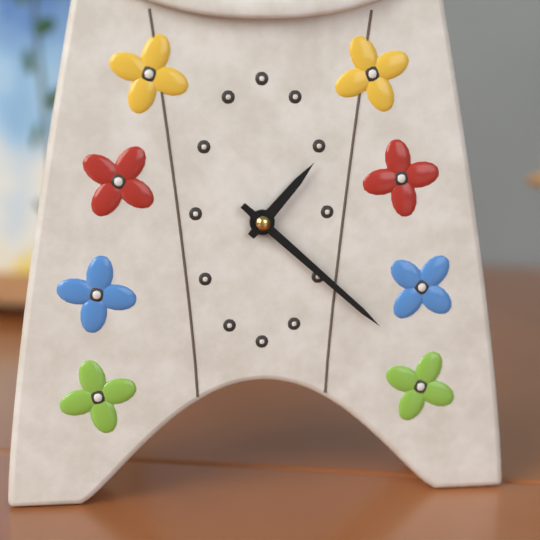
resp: 1,22
